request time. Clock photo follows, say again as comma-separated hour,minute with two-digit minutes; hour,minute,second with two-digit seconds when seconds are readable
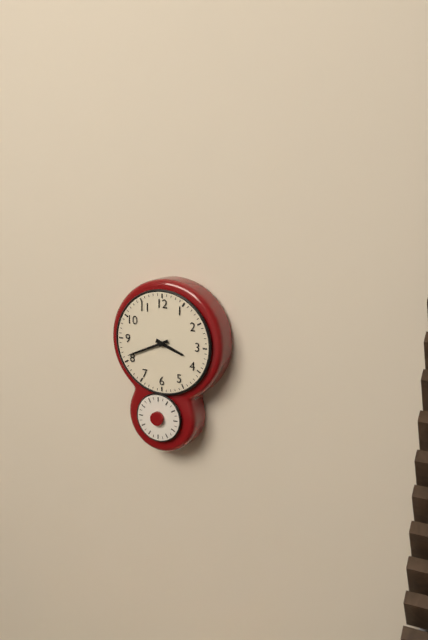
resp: 3,41
